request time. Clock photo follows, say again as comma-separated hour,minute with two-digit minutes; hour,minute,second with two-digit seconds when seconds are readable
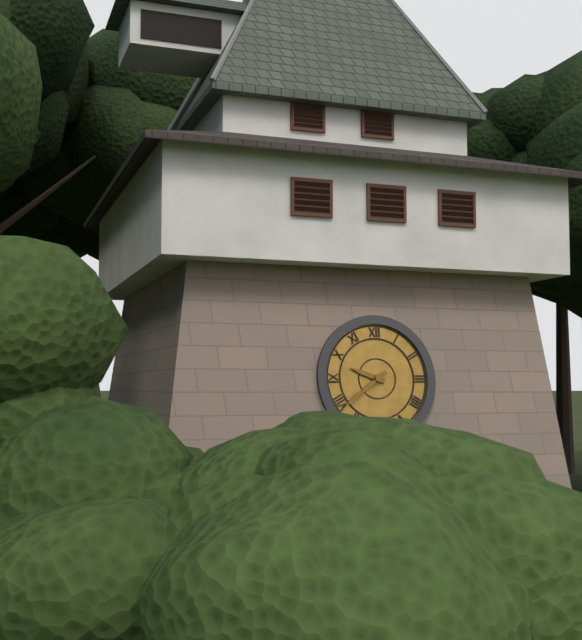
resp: 9,39
